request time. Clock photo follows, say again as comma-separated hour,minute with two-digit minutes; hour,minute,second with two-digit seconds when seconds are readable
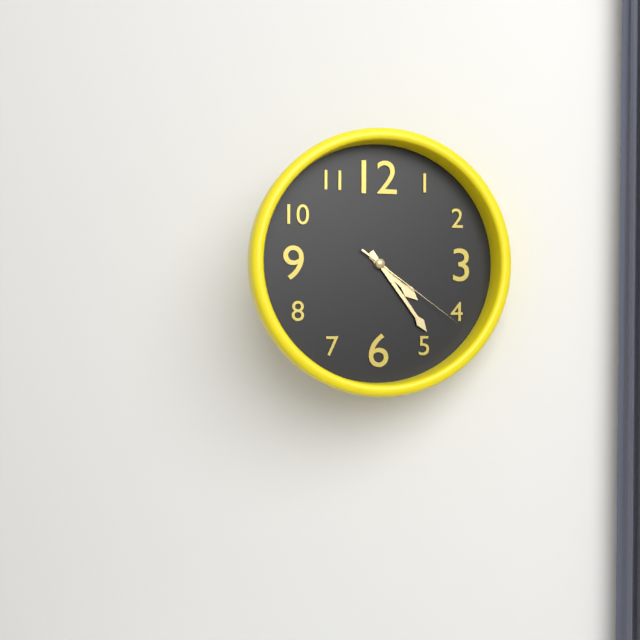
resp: 4,24,21
